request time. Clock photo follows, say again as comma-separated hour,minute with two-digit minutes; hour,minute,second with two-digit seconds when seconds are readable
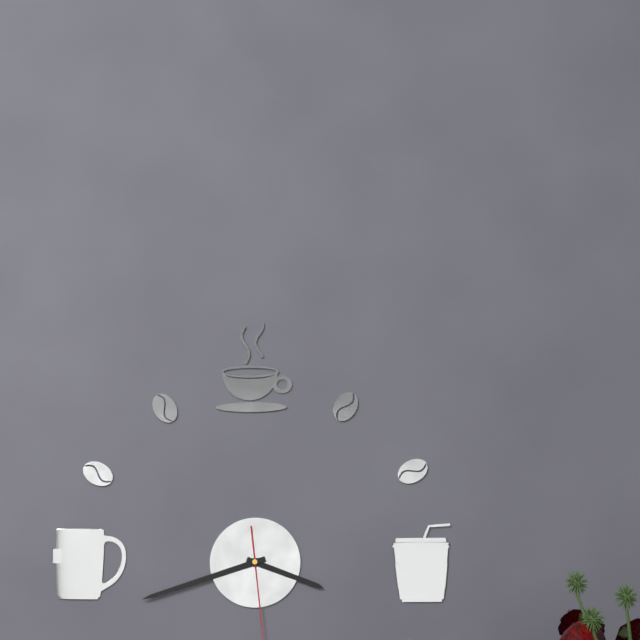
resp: 3,42
